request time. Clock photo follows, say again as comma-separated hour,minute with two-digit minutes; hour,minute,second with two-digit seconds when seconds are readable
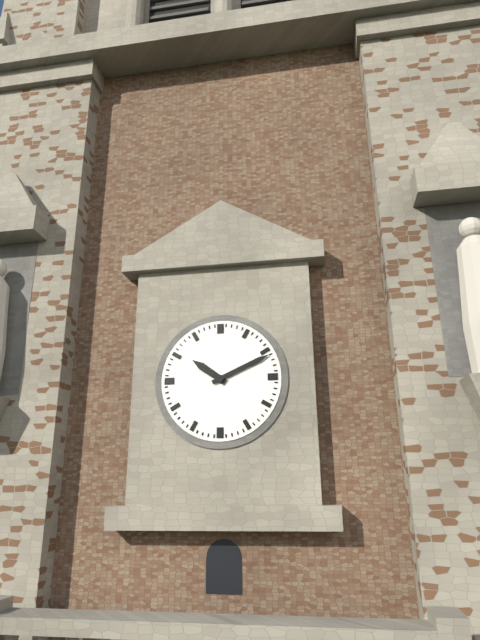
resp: 10,11
